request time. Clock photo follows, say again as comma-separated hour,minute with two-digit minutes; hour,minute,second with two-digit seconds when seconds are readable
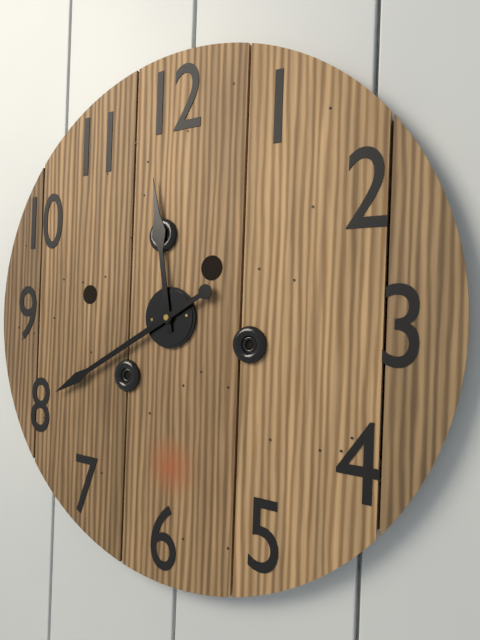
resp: 11,40
